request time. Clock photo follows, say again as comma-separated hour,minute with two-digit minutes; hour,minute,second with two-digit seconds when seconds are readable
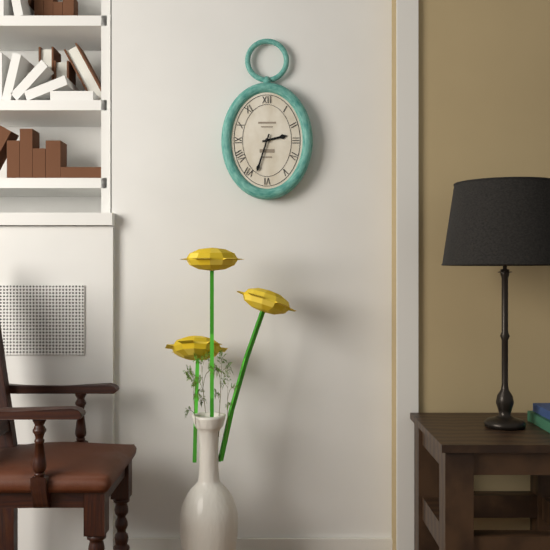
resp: 2,33
